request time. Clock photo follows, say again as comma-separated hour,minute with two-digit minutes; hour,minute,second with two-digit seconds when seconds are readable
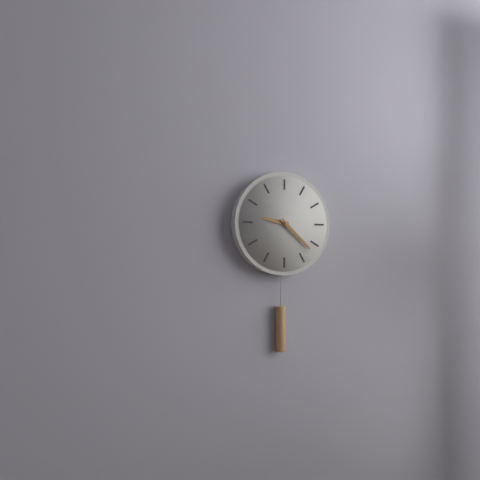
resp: 9,22
